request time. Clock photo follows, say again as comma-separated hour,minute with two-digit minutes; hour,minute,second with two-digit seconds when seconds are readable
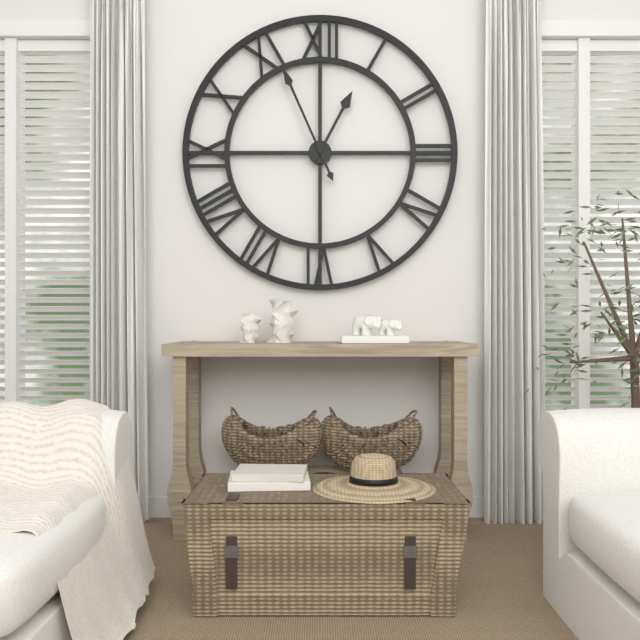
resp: 12,56
